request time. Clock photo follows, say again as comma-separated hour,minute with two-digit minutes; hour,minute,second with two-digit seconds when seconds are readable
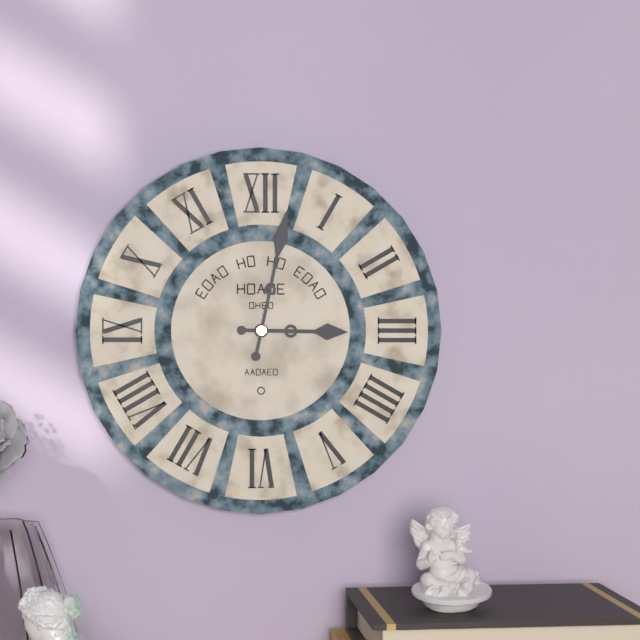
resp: 3,02
